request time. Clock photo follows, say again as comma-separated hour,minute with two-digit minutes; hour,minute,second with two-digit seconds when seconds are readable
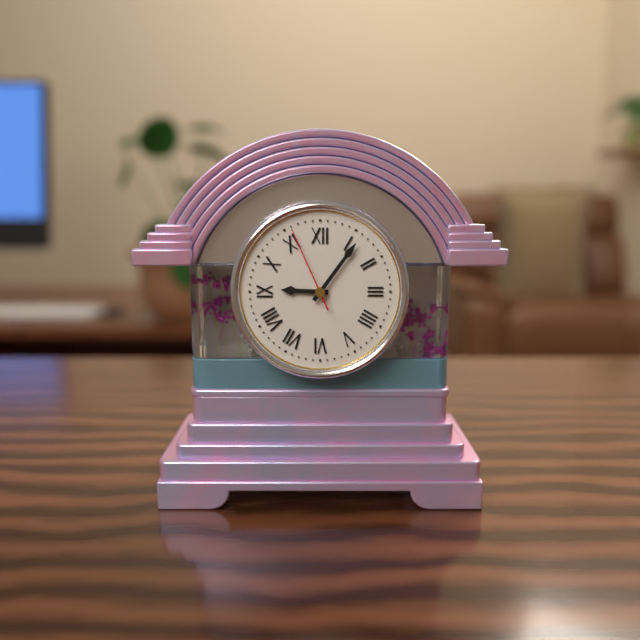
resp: 9,06,56
